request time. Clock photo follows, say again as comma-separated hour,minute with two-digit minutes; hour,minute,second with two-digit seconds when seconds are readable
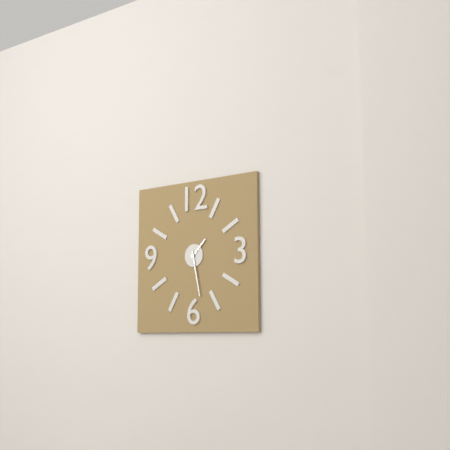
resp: 1,28
